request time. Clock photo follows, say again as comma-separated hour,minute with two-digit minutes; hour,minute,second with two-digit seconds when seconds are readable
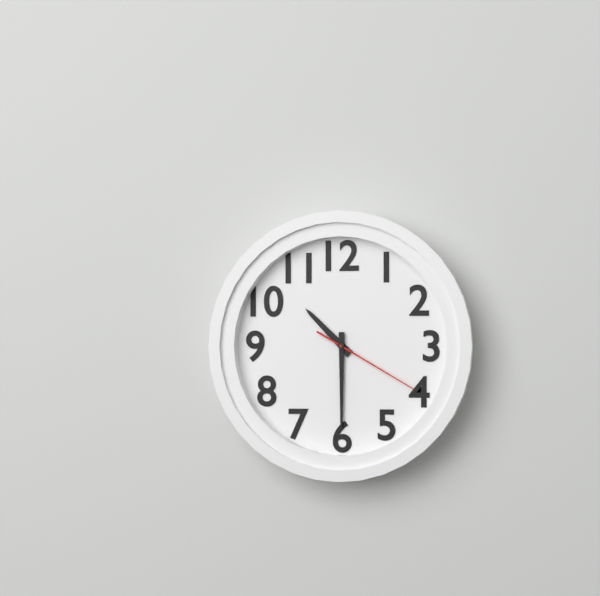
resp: 10,30,20
